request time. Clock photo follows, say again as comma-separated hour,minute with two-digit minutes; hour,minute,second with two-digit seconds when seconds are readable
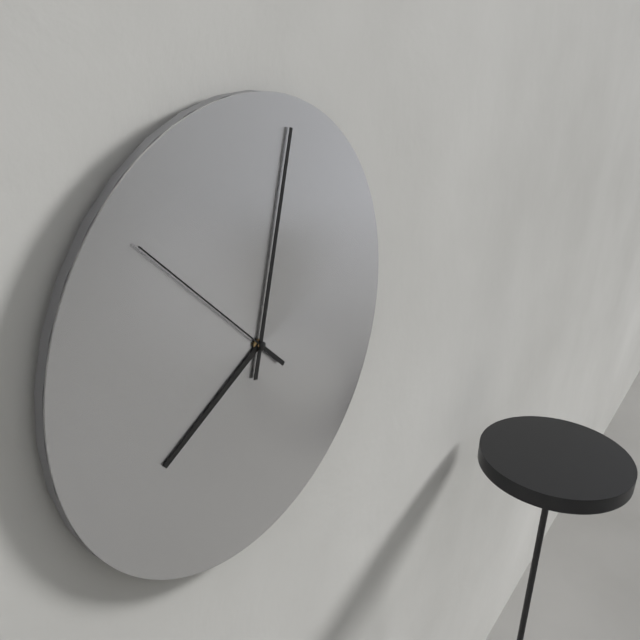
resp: 8,02,52
